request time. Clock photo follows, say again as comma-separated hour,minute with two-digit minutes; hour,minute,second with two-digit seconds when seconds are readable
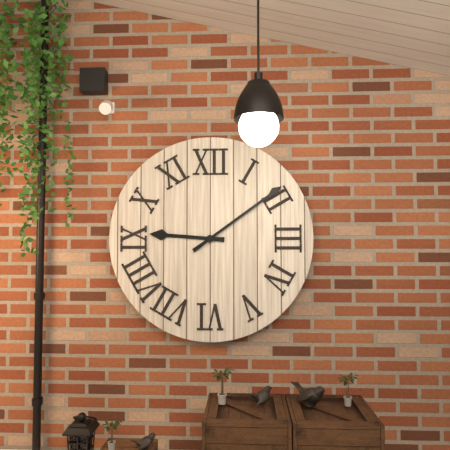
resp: 9,09
